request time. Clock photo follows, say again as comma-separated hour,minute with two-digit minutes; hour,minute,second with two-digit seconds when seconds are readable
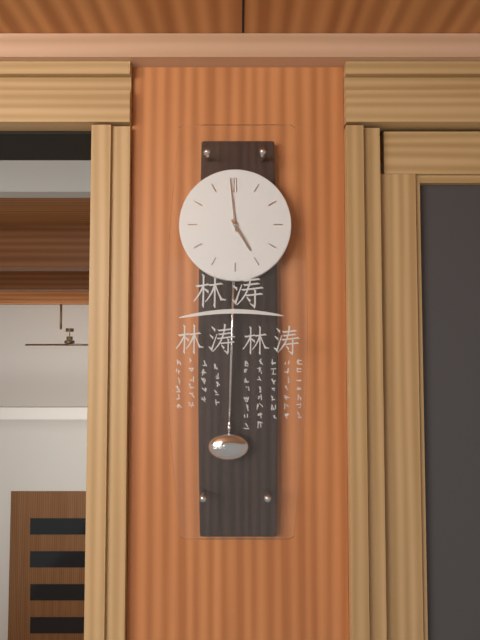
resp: 4,59
